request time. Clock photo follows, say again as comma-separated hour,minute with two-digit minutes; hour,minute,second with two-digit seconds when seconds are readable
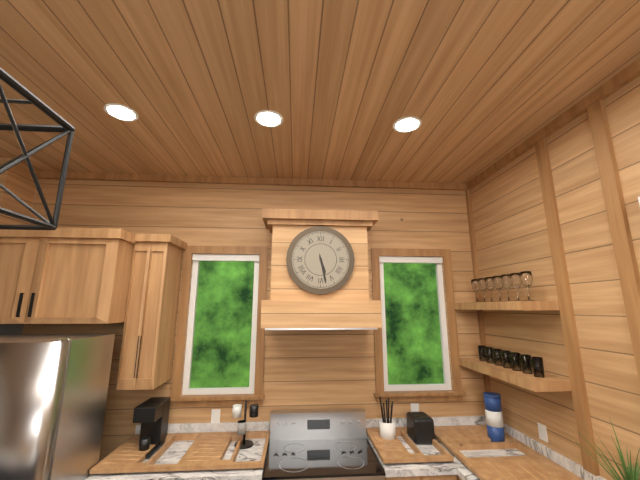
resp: 5,28
